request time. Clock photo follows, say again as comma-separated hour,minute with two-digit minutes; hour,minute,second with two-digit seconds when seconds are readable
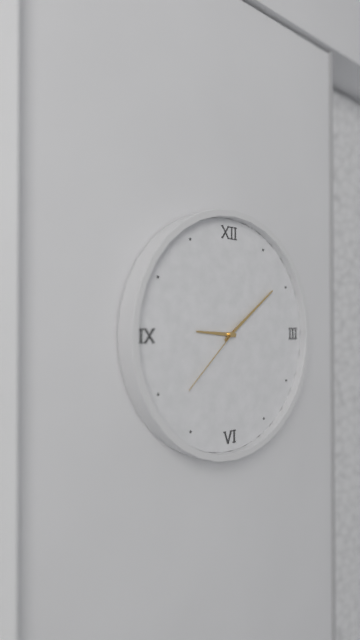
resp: 9,09,38
